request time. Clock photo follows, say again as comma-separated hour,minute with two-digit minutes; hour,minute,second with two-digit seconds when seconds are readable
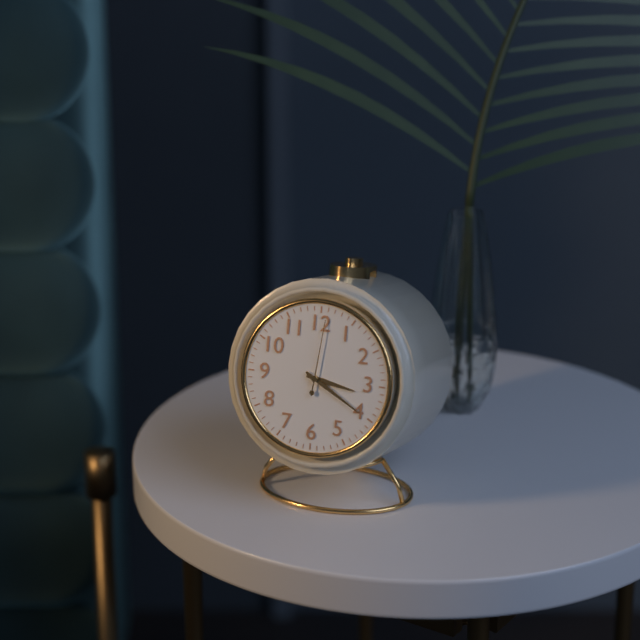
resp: 3,20,01
